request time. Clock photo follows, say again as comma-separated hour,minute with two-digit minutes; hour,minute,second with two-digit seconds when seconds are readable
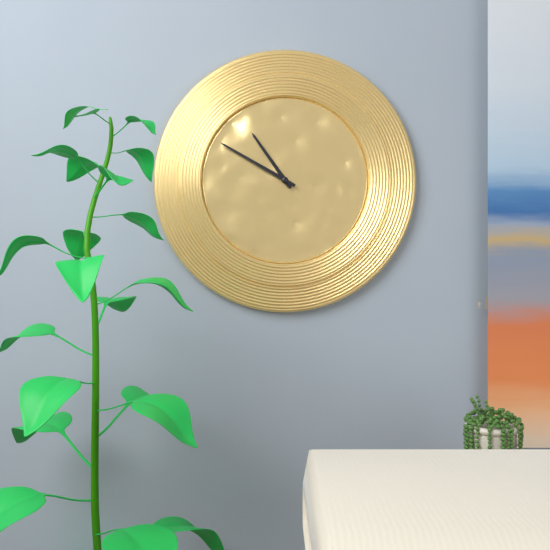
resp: 10,50
